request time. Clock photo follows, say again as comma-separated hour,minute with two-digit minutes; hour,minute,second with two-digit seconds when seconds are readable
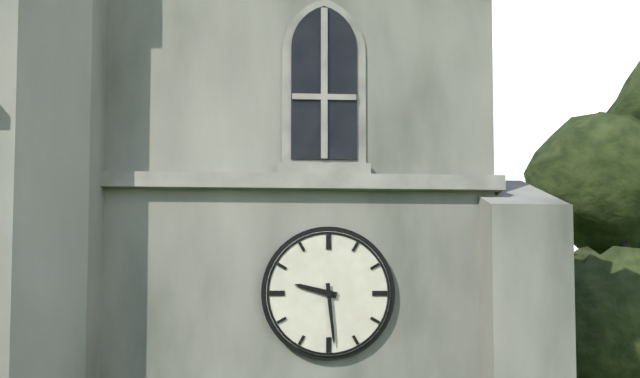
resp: 9,29
